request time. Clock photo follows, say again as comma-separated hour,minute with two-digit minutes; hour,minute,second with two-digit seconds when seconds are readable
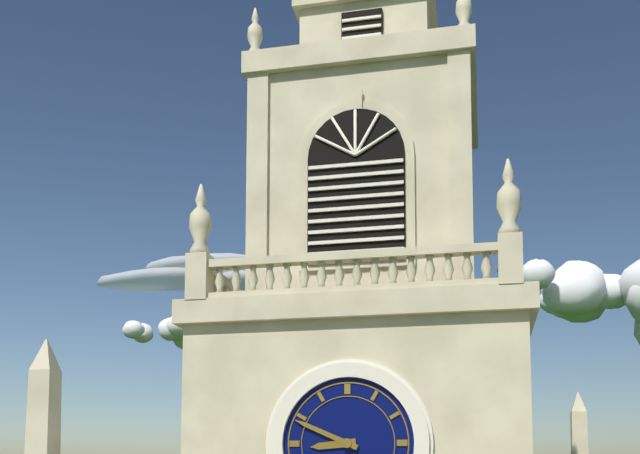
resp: 8,49
